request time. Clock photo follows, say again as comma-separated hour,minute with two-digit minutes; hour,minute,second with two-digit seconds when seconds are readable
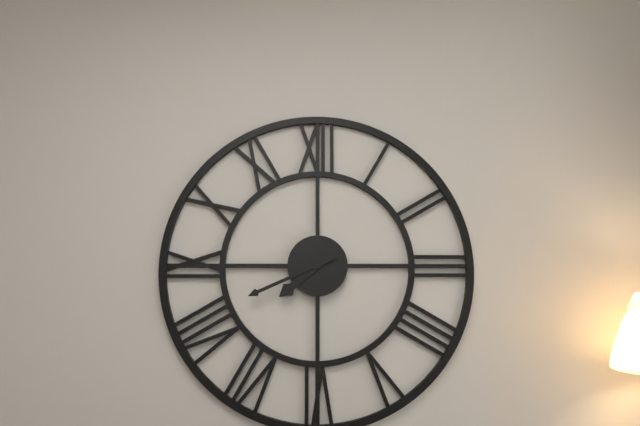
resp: 7,41
